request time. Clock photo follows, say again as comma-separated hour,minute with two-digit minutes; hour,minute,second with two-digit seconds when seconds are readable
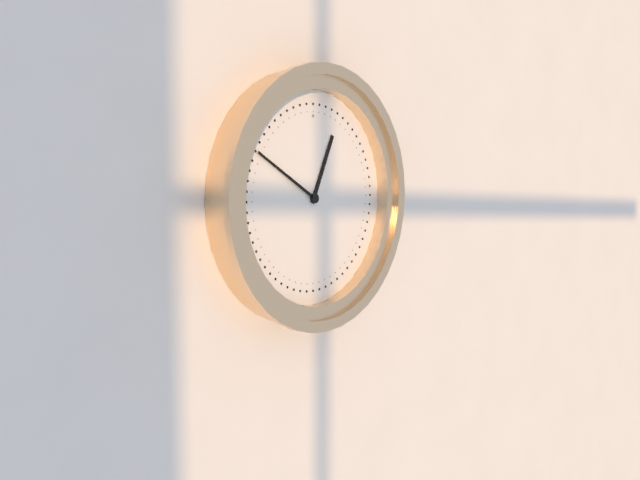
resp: 12,50
